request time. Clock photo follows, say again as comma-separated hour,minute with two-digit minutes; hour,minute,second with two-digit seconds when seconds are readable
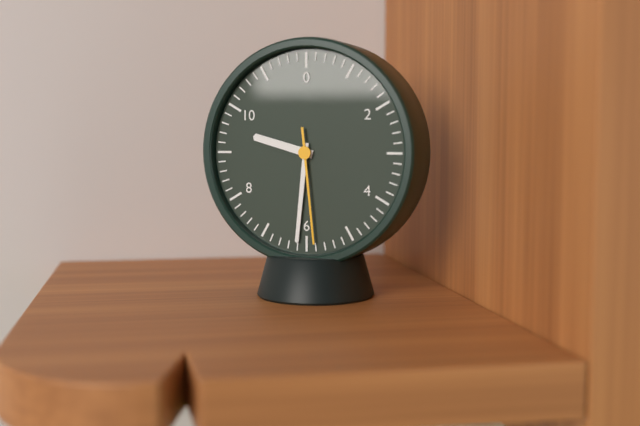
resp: 9,31,29
